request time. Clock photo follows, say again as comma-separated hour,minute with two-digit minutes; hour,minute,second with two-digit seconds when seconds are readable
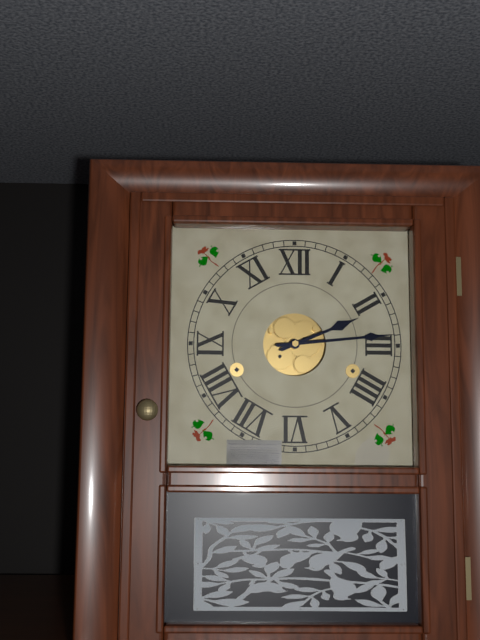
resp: 2,14
